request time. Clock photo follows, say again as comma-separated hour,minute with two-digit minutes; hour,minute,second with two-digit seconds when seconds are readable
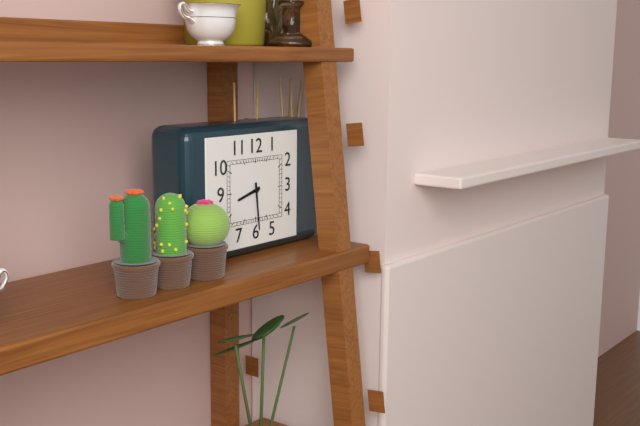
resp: 8,29
